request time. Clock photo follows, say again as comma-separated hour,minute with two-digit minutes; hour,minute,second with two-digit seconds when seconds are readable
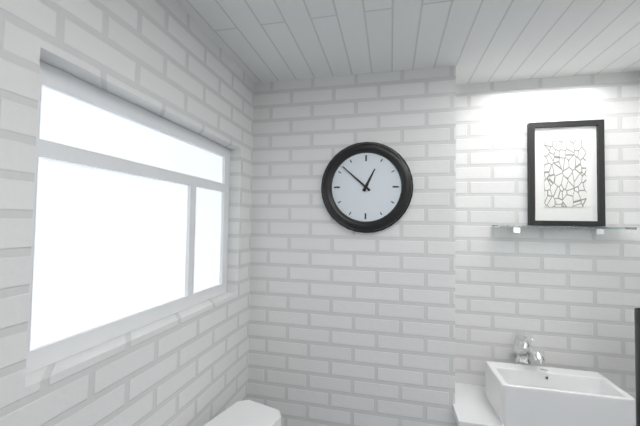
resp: 12,52
